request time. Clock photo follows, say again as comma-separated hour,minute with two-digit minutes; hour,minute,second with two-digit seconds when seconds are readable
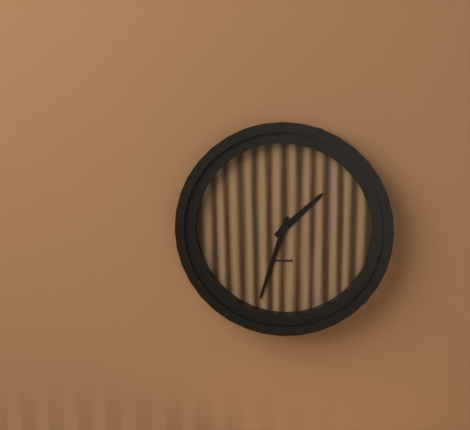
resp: 1,33
